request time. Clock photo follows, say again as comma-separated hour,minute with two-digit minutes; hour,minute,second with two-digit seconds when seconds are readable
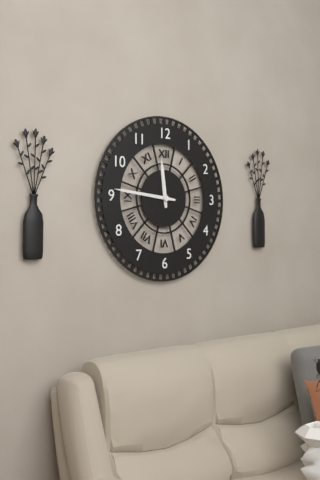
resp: 11,46
